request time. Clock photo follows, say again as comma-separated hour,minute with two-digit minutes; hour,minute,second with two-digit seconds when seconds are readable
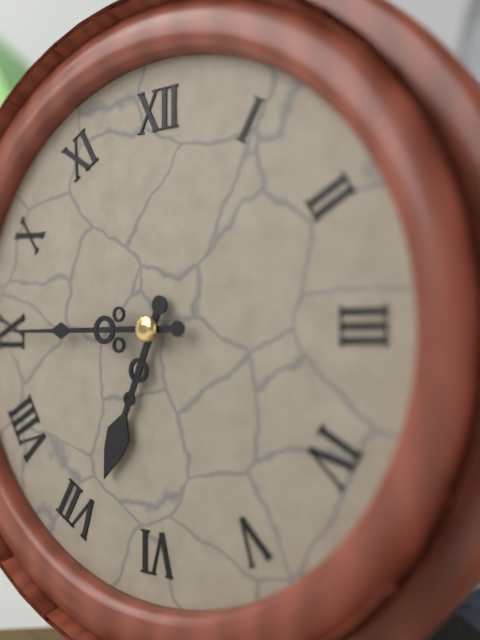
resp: 6,45
